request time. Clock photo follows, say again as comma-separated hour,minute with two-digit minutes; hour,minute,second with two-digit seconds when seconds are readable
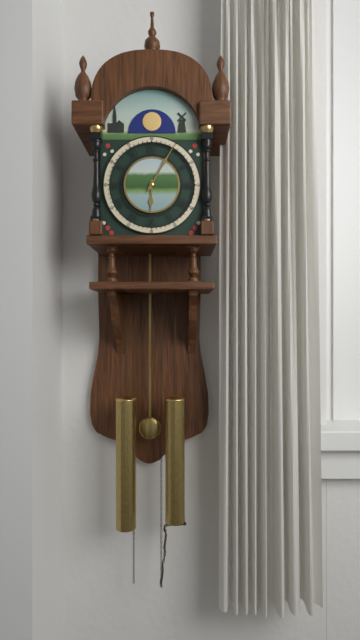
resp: 6,05
